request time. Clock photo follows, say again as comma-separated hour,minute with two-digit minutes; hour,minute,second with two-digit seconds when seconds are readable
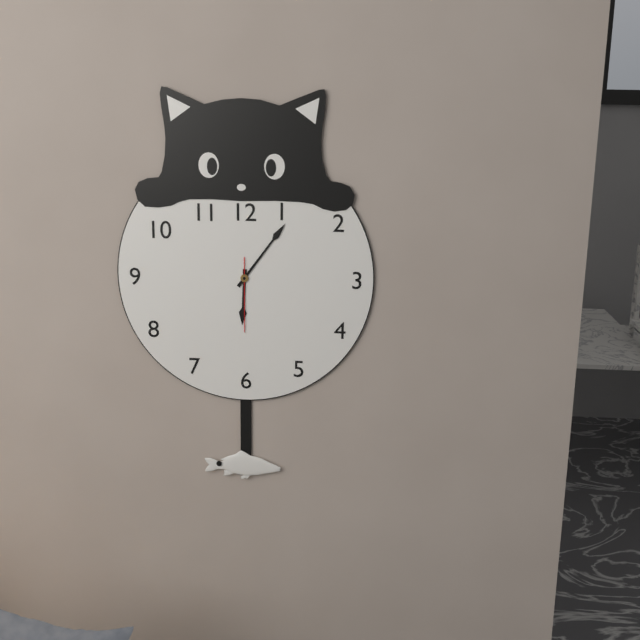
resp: 6,06,30
